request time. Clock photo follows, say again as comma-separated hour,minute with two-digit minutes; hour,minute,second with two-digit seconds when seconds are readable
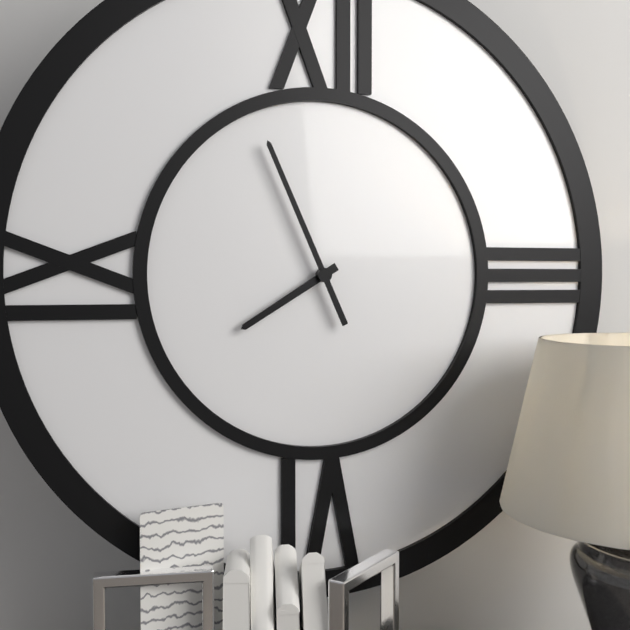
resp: 7,56
